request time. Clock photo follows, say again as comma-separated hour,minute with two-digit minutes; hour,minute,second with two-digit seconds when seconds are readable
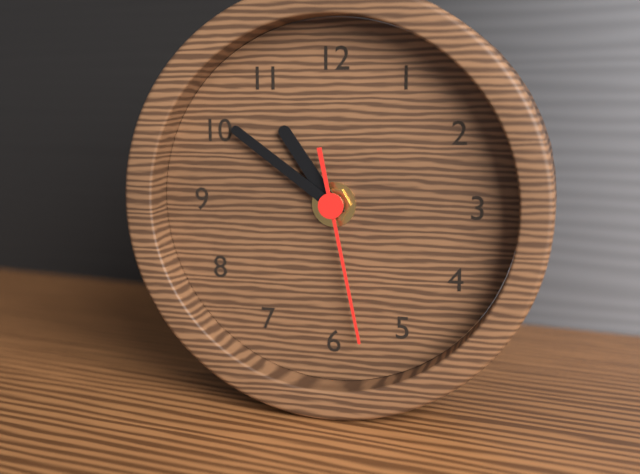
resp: 10,51,28
